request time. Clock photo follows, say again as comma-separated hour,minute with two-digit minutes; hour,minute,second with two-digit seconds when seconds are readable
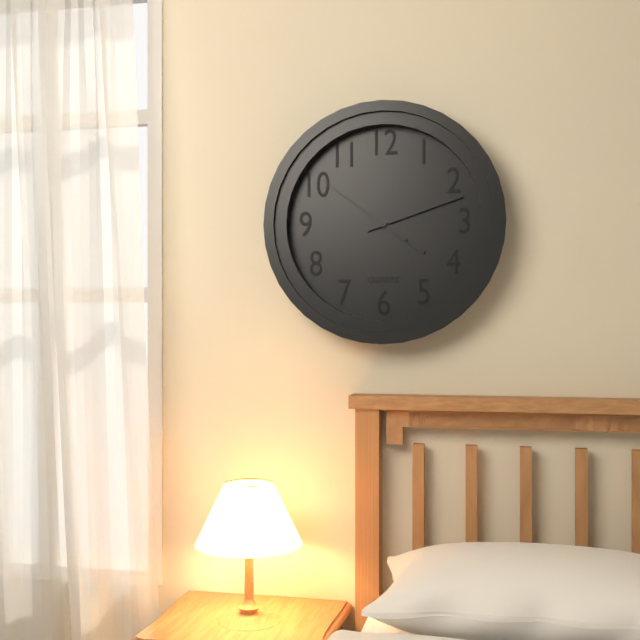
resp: 4,12,51
